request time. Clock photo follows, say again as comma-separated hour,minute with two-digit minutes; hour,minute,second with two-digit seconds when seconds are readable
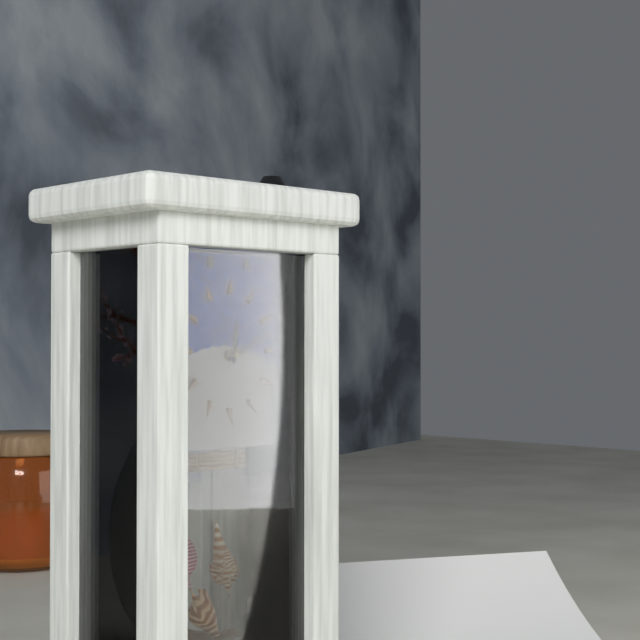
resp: 12,11,10
